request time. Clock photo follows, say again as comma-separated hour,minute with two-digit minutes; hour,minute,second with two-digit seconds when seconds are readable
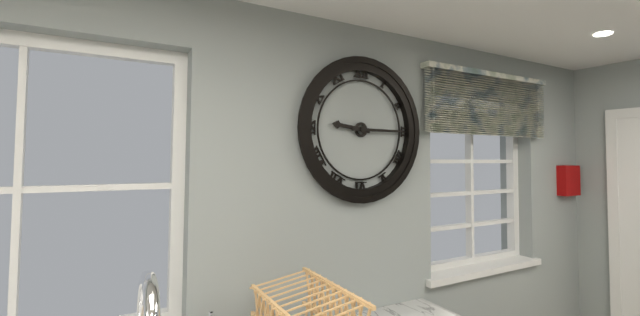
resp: 9,15
